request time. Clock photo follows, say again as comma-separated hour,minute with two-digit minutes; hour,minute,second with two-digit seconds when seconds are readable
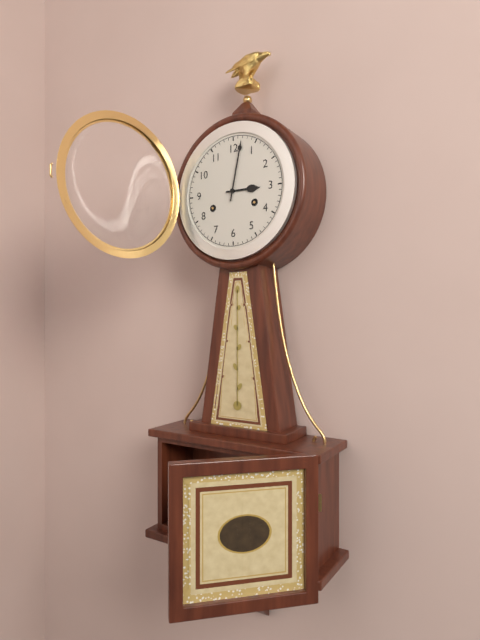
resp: 3,02
